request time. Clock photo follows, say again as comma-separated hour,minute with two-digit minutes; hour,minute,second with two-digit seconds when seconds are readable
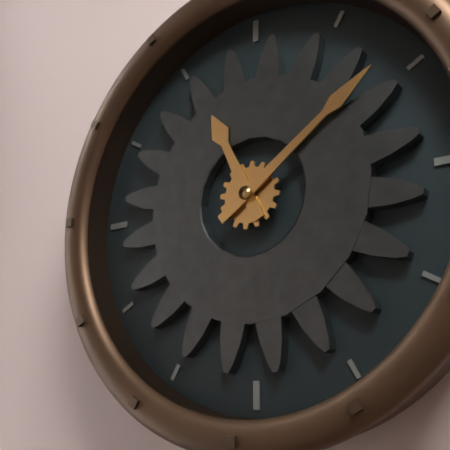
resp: 11,09
